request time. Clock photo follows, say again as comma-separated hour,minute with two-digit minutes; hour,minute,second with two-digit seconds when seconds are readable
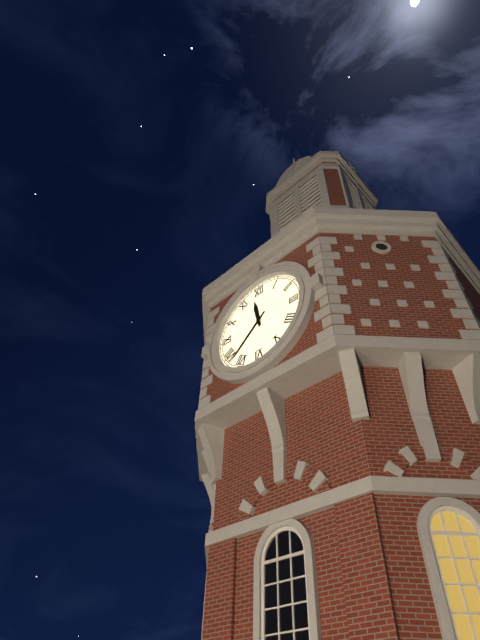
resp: 11,38
